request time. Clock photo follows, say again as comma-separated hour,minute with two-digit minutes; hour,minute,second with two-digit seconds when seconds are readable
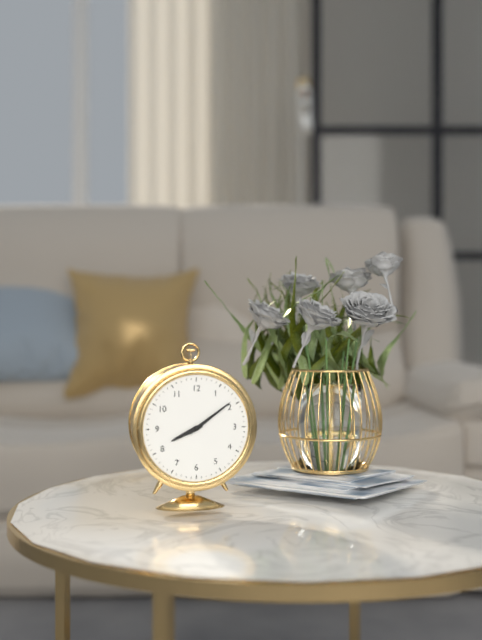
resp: 8,09
